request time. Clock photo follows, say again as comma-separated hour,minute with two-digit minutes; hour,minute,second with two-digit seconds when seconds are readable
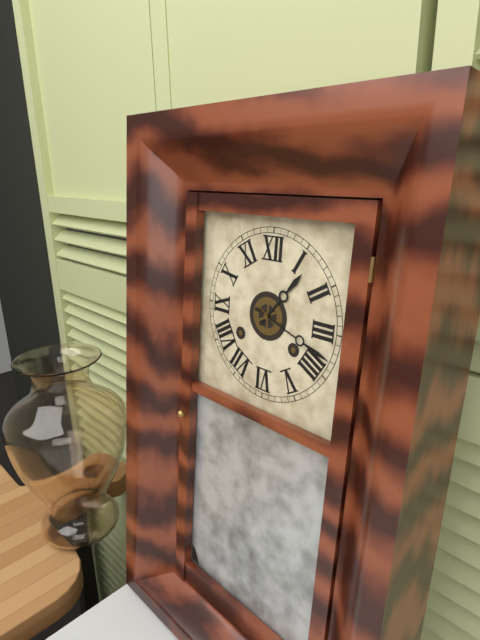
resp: 1,18
